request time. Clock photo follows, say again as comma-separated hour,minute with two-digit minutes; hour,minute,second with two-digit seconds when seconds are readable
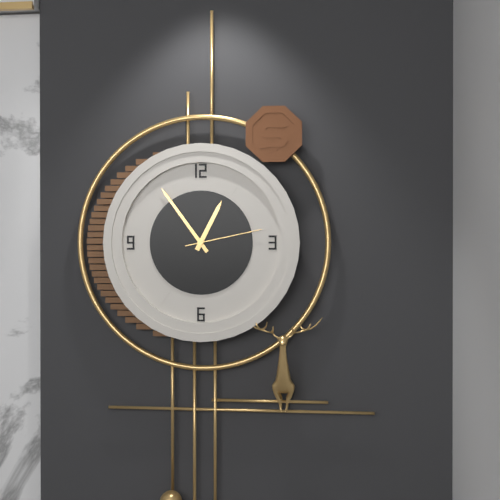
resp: 12,54,13
